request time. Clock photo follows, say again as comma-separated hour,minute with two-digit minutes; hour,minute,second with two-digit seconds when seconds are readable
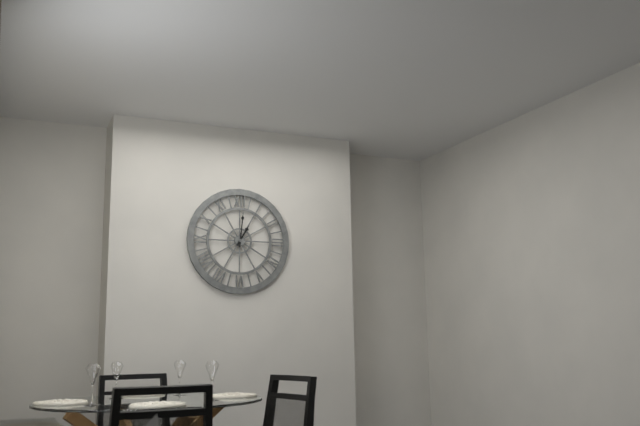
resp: 1,01
